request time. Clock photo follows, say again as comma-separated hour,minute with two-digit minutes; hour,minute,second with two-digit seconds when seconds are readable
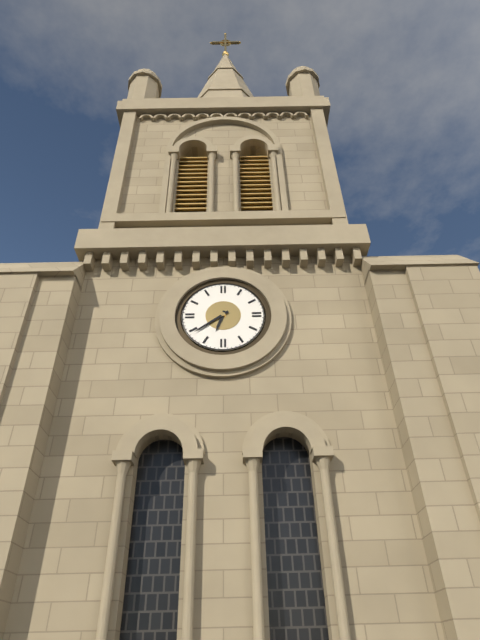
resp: 6,39
